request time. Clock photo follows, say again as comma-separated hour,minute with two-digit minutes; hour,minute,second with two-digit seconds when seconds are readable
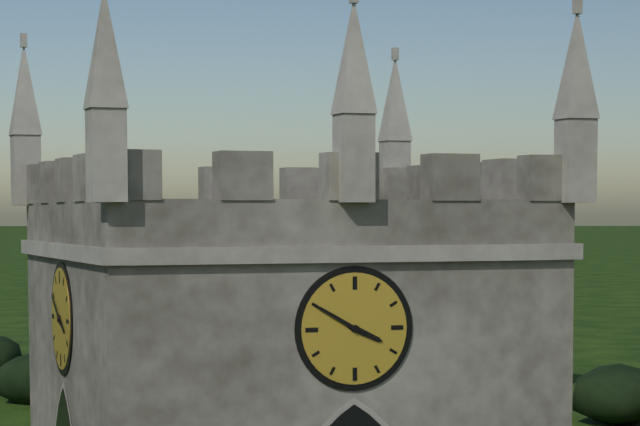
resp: 3,50
